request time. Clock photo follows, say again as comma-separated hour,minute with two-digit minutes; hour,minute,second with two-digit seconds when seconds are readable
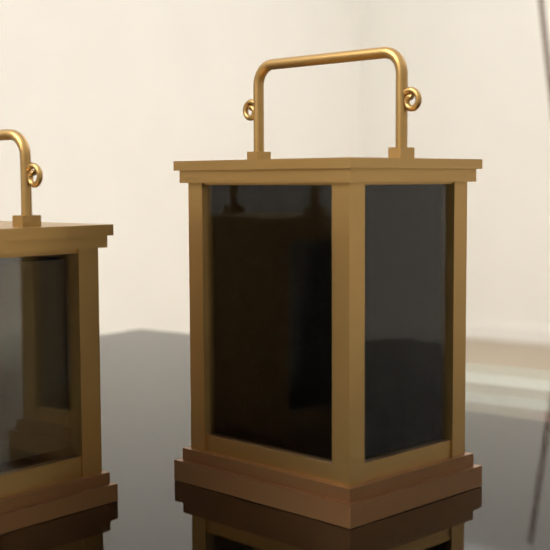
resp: 8,40
